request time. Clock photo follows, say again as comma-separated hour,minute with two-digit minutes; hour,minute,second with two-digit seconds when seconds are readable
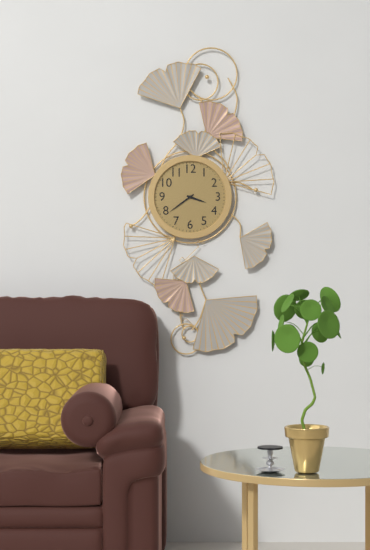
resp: 3,39
